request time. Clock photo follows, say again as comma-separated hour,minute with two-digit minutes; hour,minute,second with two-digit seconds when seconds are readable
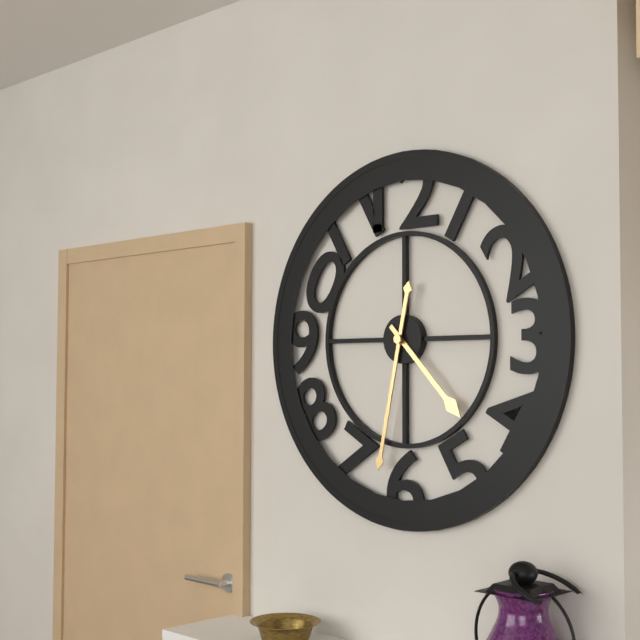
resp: 4,32
